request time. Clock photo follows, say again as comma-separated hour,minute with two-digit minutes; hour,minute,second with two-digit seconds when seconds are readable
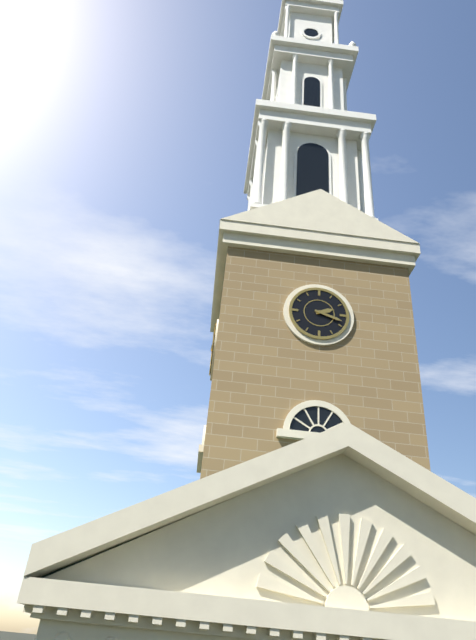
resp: 2,18
